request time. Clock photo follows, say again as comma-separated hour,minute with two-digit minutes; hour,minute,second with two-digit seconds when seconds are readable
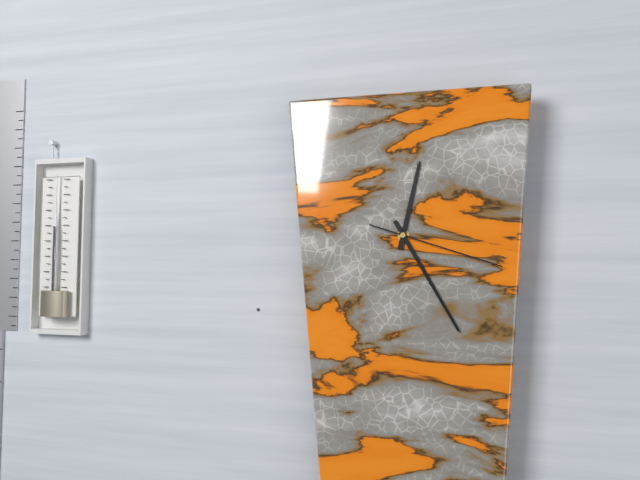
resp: 12,25,18
